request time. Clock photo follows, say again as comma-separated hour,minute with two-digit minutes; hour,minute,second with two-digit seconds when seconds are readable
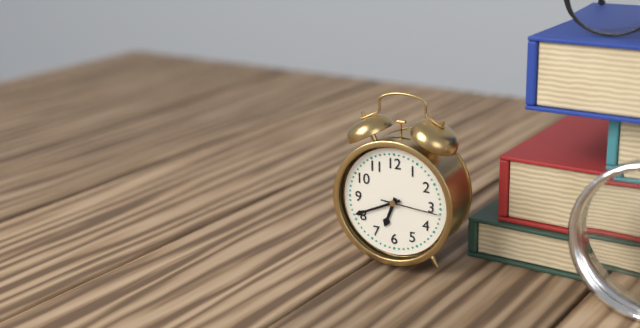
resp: 6,41,16
